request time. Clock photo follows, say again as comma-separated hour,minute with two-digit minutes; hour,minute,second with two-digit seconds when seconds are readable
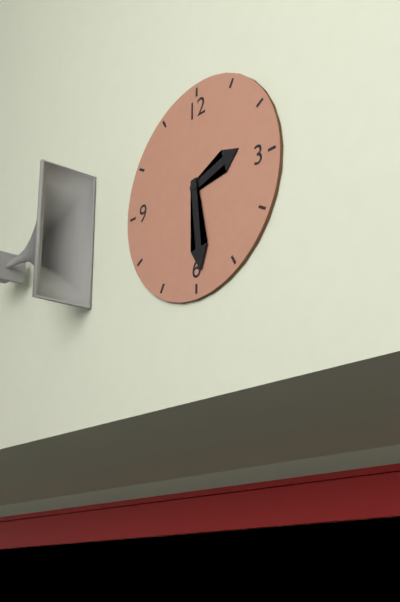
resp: 2,29
